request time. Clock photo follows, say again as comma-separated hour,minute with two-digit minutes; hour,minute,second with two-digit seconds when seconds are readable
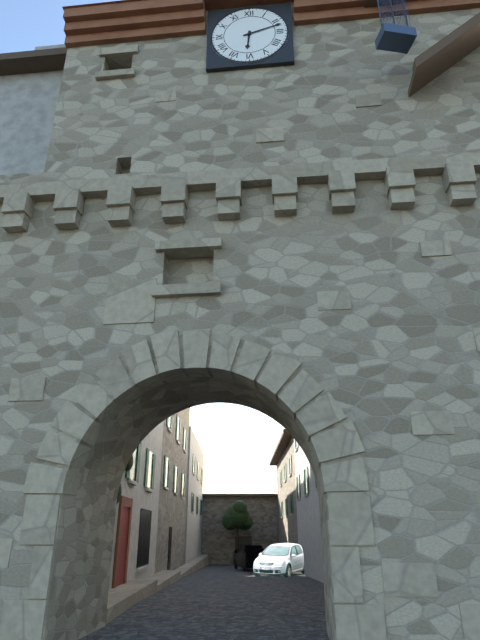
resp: 6,12
